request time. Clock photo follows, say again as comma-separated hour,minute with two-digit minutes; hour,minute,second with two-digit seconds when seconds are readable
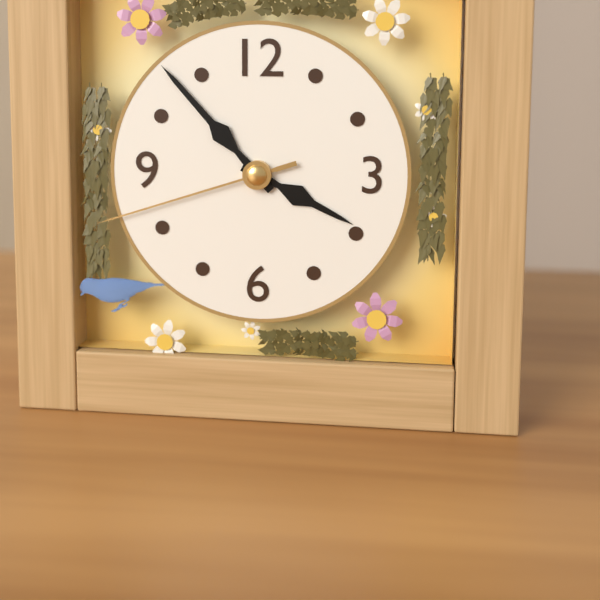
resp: 3,53,42
